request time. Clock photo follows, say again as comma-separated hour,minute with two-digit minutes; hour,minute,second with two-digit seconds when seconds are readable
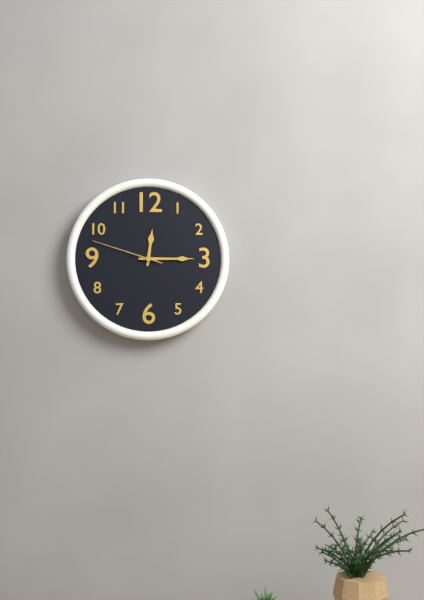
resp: 12,15,48
